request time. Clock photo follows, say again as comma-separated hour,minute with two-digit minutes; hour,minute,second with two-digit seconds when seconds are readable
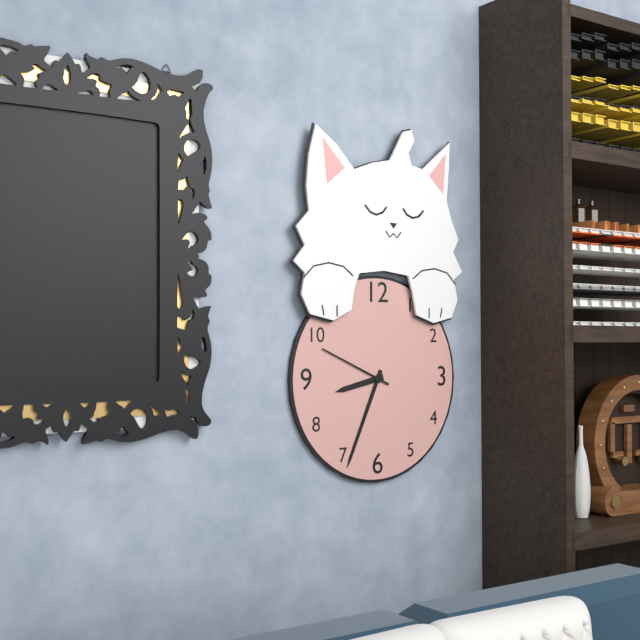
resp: 8,34,49
